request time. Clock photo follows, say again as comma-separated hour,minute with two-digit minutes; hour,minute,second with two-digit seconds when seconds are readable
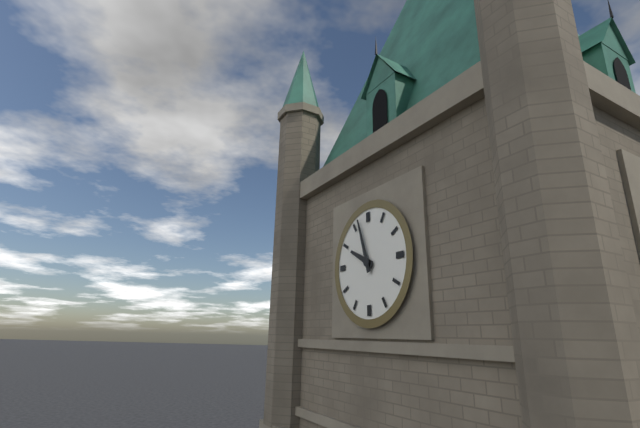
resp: 9,57
